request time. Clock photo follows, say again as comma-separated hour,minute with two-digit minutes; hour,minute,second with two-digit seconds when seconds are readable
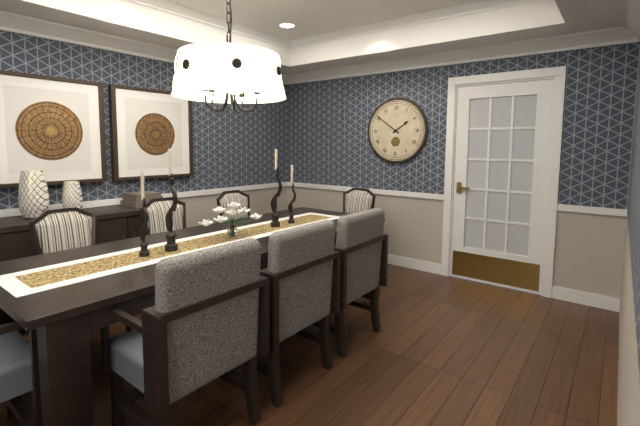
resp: 1,51
